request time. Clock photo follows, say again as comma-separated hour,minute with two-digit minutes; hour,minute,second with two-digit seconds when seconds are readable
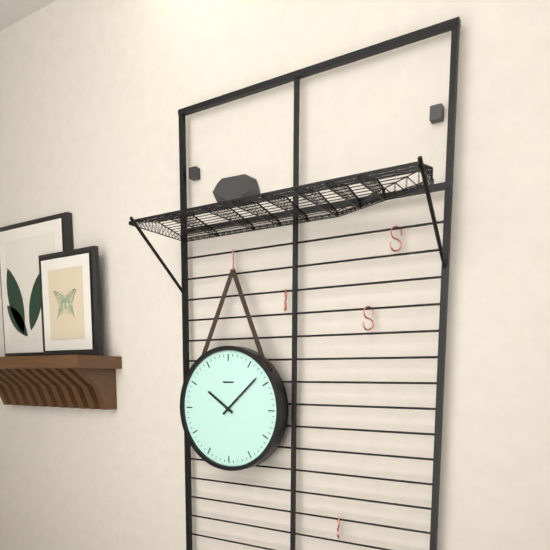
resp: 10,08
